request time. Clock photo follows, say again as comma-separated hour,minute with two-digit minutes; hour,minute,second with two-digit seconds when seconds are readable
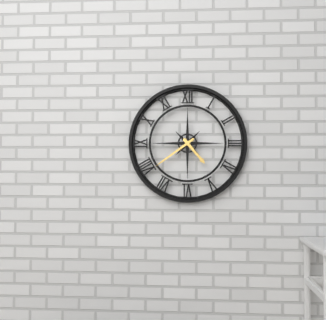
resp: 4,39
